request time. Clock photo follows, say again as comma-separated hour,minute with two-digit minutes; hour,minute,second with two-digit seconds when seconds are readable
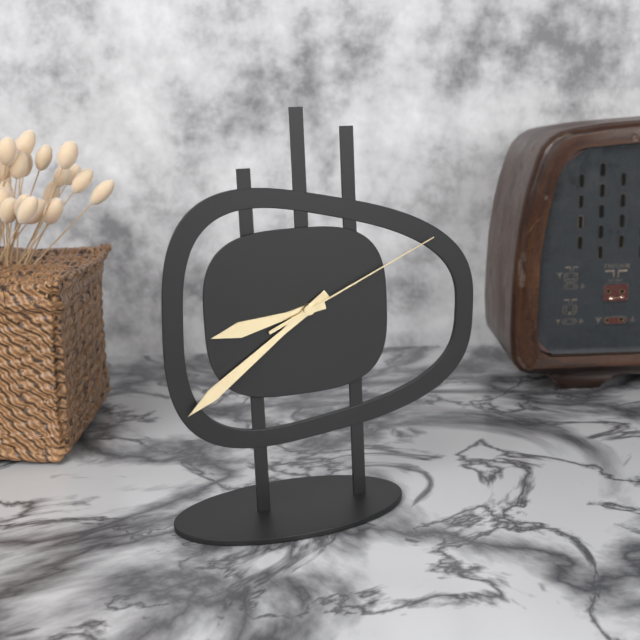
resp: 8,39,11
